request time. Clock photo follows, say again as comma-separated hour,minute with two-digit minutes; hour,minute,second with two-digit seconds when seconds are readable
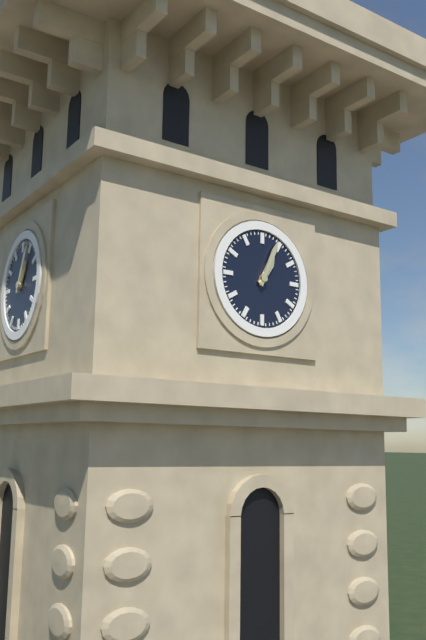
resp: 1,04
